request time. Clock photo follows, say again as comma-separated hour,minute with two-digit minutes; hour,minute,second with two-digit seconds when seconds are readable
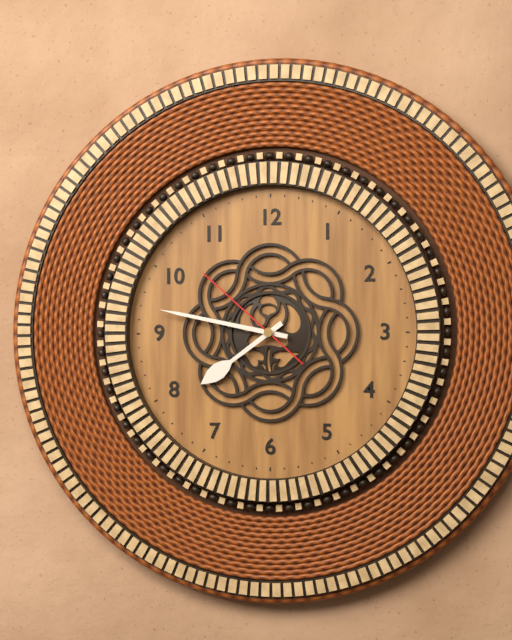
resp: 7,47,52
